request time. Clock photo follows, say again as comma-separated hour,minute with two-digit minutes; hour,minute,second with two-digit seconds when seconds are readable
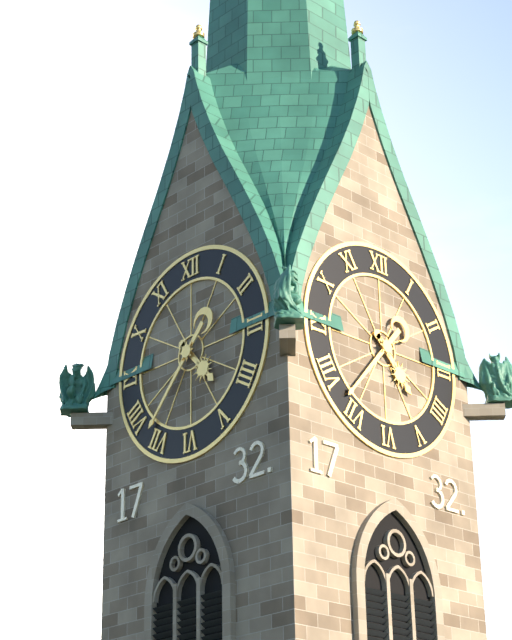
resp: 4,37
